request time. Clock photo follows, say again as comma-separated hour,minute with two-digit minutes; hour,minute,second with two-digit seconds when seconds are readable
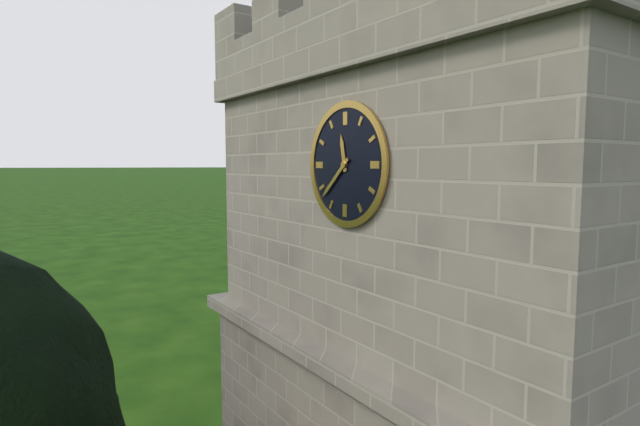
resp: 11,38
